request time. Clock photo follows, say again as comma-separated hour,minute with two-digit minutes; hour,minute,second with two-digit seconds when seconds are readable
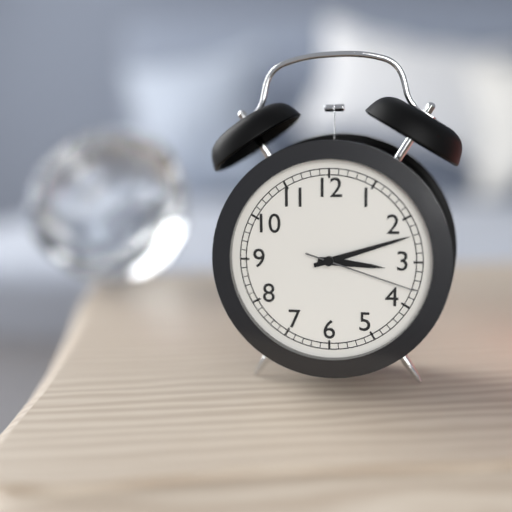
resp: 3,12,18
